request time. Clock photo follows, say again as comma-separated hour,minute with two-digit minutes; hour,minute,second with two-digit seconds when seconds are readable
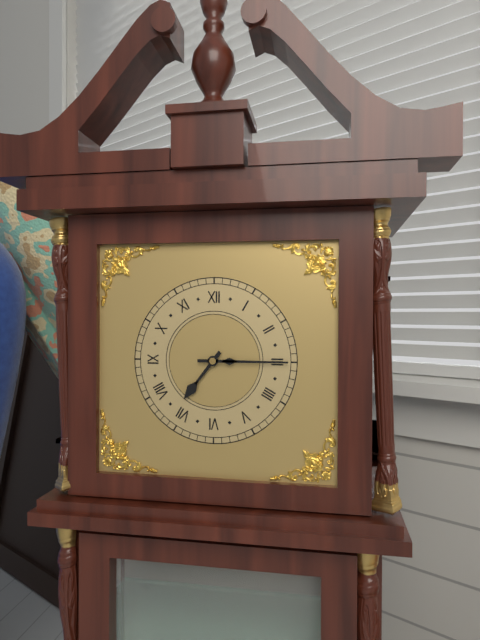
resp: 7,15
